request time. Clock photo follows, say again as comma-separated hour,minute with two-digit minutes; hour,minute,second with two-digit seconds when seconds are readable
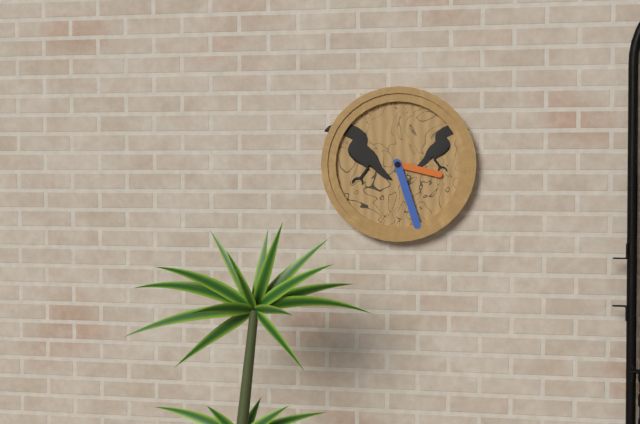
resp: 3,27
